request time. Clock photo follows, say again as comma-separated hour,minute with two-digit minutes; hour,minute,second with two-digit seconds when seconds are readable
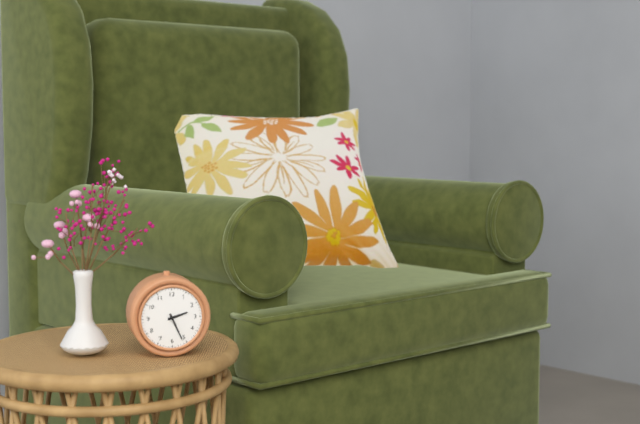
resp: 2,26
